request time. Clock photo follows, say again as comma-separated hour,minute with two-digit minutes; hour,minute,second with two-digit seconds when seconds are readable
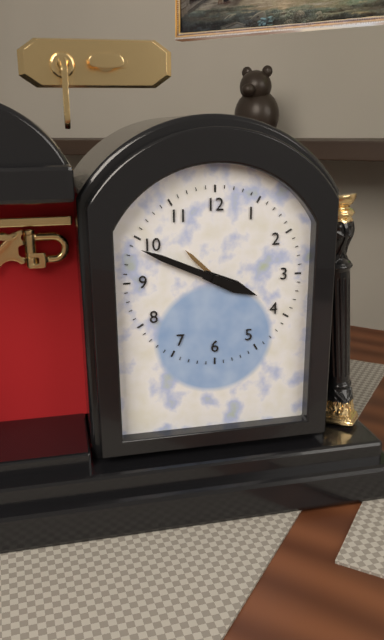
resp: 3,49
